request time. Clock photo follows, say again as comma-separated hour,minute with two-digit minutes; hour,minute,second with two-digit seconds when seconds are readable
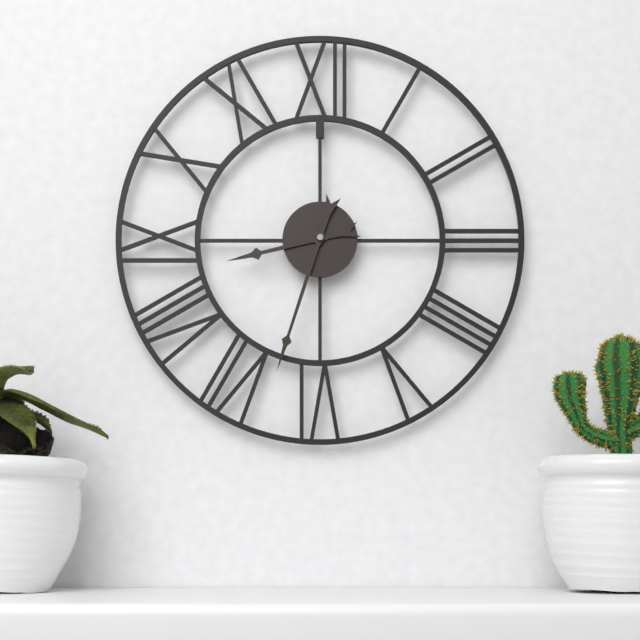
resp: 8,33
